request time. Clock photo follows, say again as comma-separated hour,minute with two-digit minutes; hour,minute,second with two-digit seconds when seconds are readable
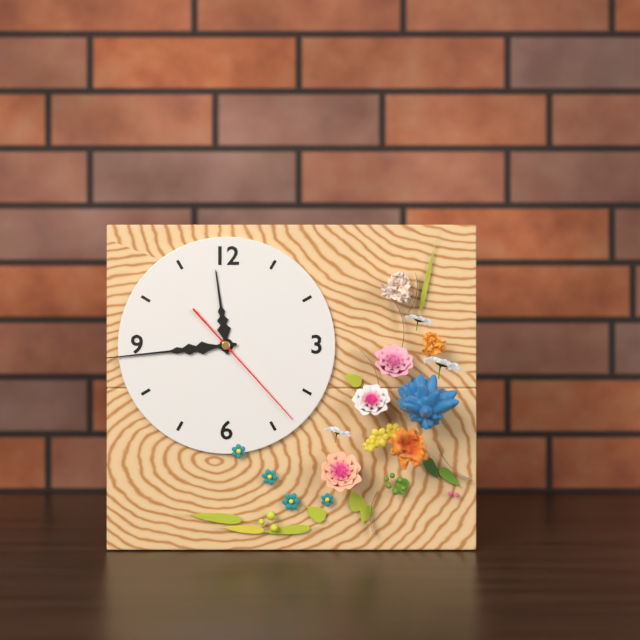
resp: 11,44,23
